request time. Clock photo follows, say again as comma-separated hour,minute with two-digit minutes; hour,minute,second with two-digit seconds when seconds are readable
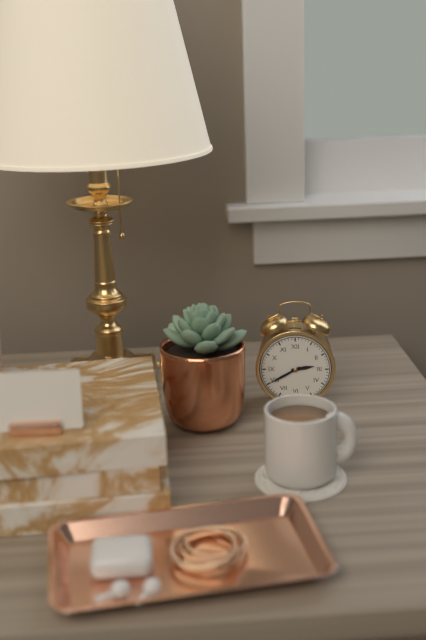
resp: 2,40
